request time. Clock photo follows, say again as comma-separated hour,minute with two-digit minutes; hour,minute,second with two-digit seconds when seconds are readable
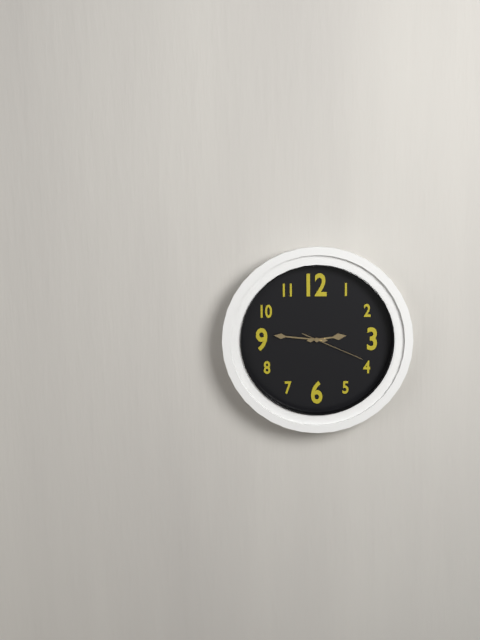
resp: 2,46,19
